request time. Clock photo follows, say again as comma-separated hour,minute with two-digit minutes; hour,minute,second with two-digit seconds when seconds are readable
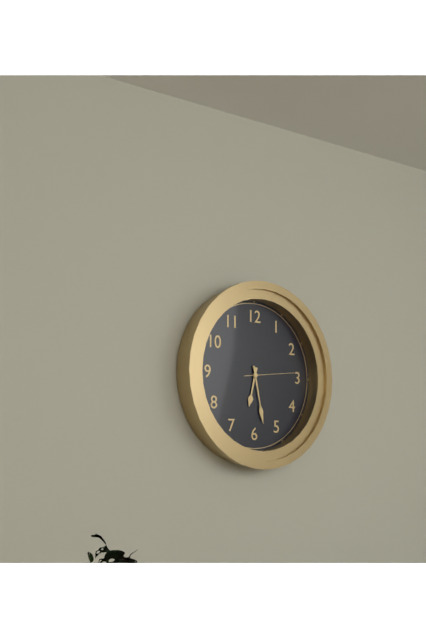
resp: 6,28,14
